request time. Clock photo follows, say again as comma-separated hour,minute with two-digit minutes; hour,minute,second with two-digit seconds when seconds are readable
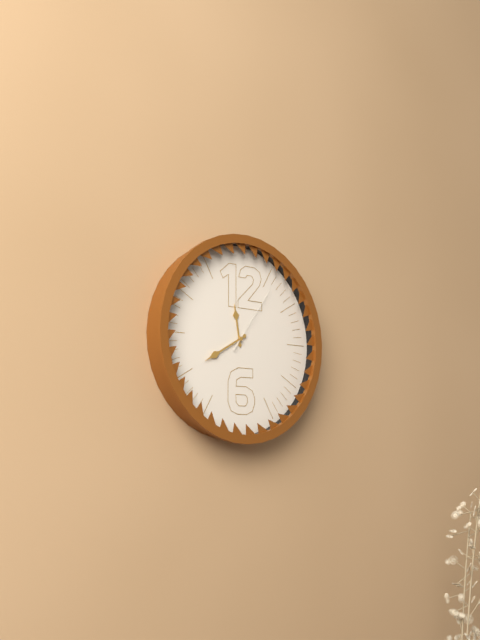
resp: 11,40,06
